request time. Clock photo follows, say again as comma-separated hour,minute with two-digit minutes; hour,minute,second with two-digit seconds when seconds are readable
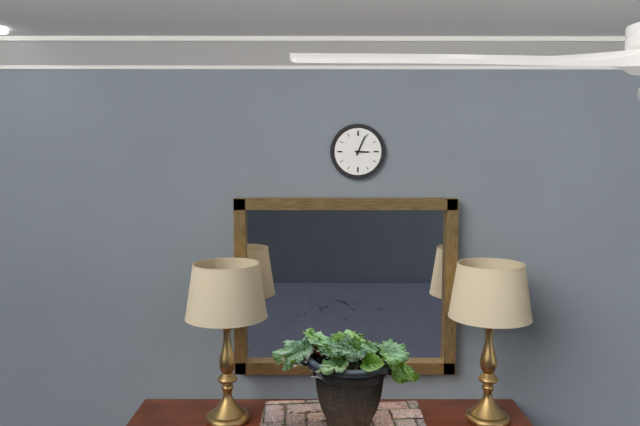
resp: 3,04
